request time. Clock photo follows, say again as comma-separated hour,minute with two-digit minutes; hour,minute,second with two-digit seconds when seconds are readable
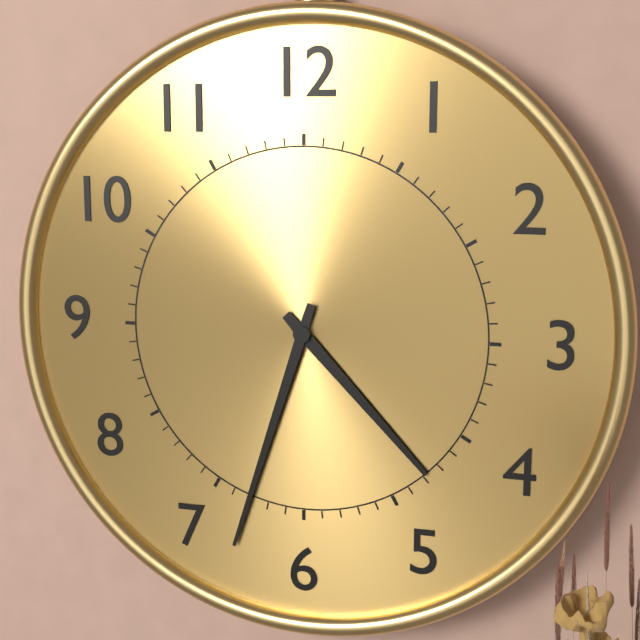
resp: 4,33
